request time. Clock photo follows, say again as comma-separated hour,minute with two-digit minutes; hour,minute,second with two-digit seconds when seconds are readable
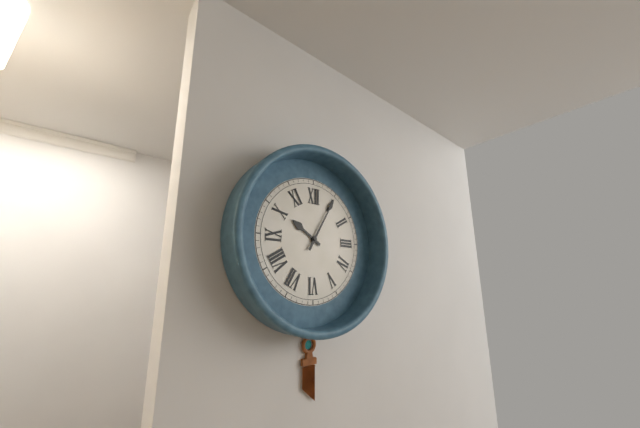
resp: 10,05
